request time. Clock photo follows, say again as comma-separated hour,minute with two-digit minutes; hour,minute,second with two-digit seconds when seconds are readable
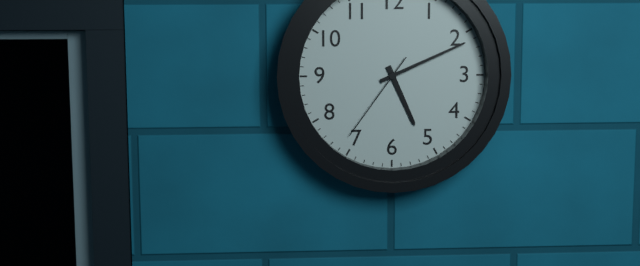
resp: 5,11,36
